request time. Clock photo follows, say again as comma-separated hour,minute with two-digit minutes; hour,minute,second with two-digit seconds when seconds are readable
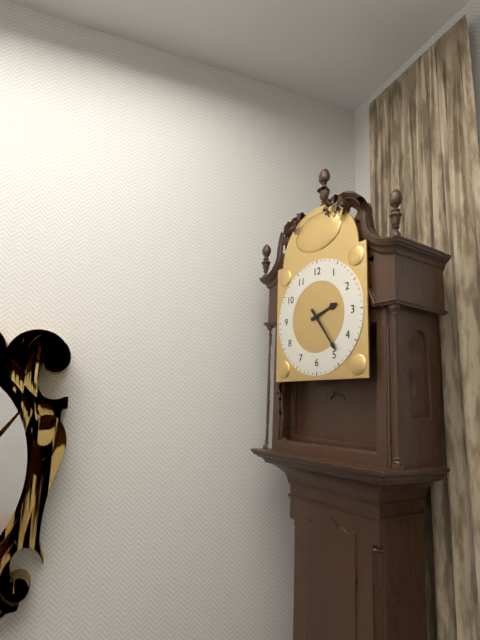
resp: 2,24
